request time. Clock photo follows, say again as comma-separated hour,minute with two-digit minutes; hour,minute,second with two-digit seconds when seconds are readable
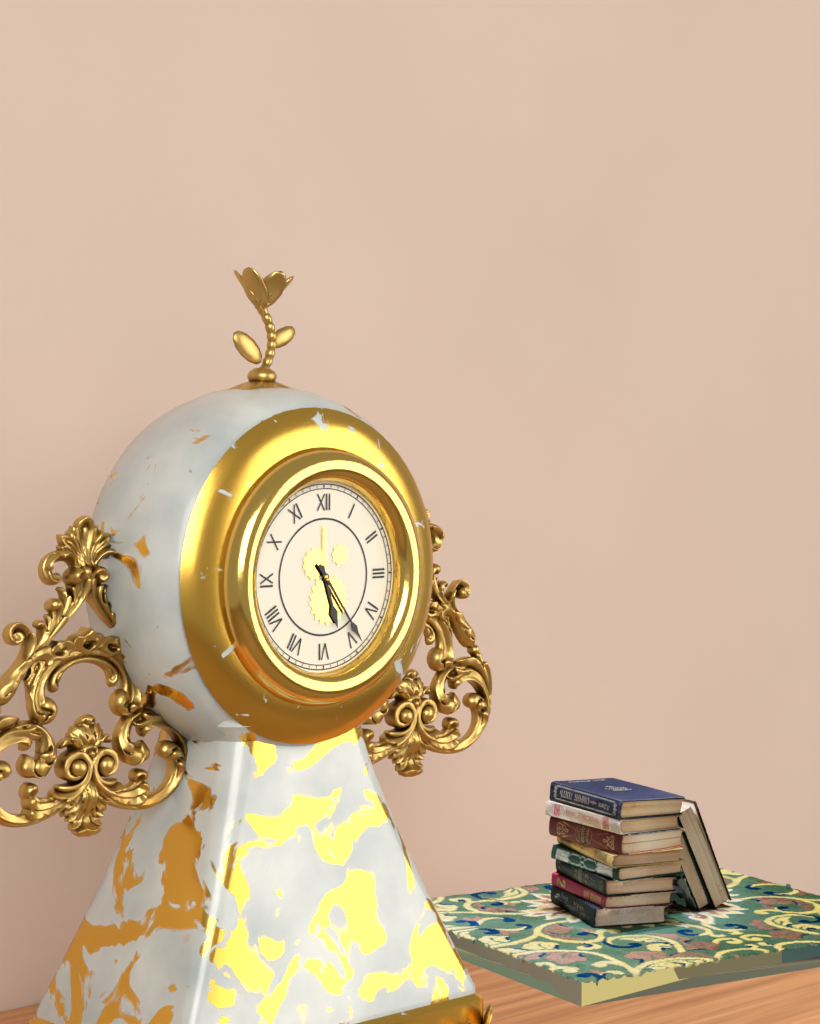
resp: 5,24
